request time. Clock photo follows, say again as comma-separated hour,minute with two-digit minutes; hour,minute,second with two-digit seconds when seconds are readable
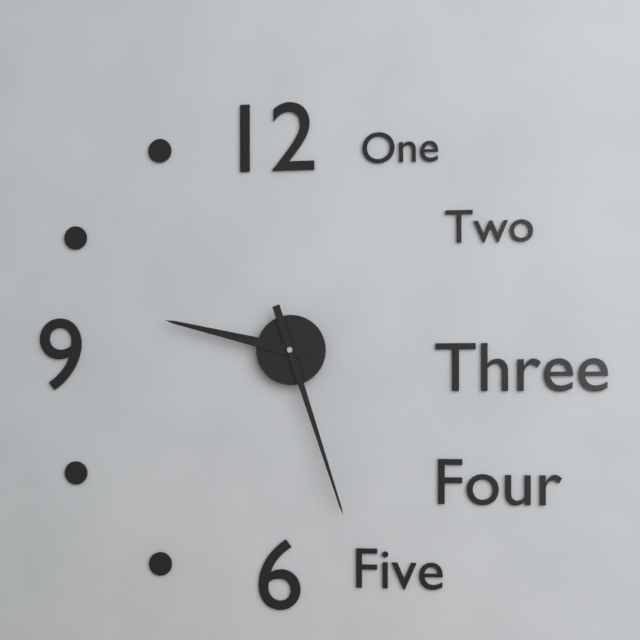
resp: 9,27
